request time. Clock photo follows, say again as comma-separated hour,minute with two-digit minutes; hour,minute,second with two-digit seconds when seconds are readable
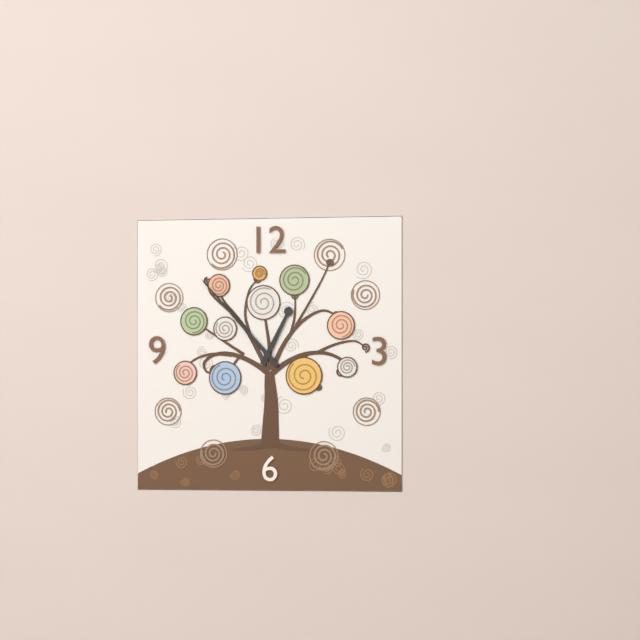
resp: 12,53
